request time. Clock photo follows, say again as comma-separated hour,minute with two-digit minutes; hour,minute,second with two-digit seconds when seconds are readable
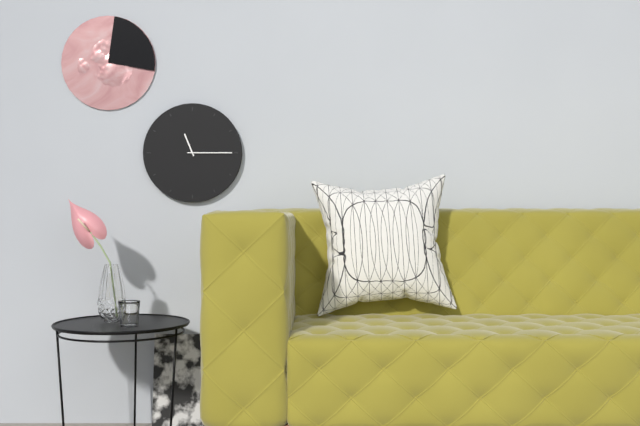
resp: 11,15
